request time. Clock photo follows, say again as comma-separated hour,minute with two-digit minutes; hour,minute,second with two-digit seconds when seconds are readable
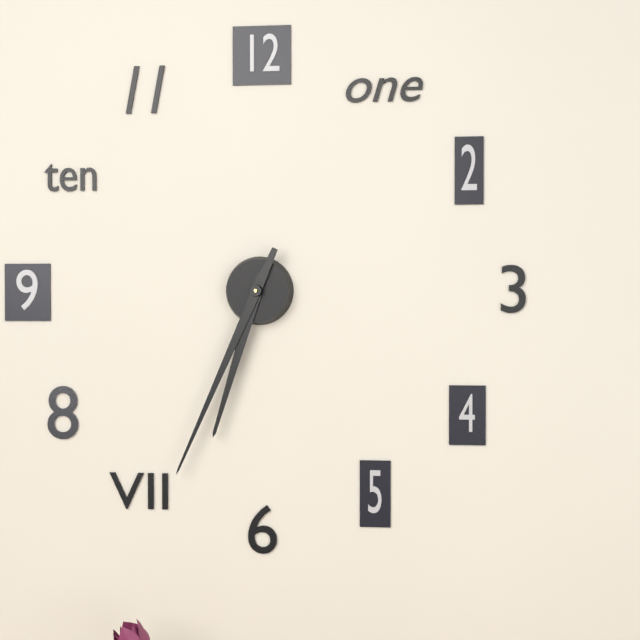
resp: 6,34
